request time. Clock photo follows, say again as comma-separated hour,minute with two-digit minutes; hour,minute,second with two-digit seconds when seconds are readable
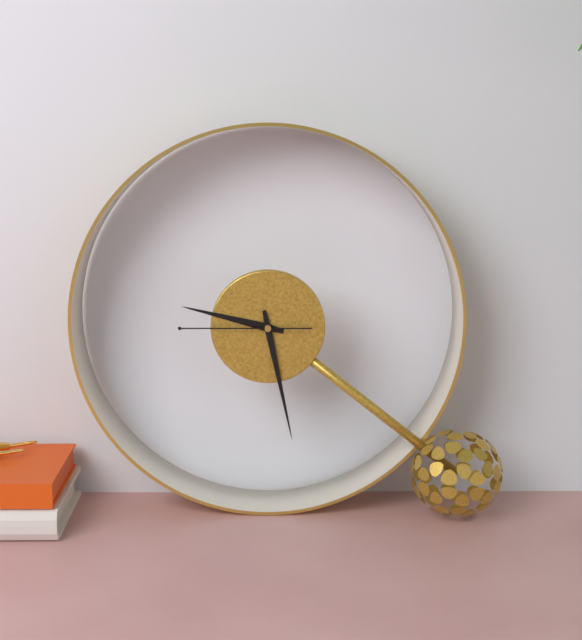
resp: 9,28,45
